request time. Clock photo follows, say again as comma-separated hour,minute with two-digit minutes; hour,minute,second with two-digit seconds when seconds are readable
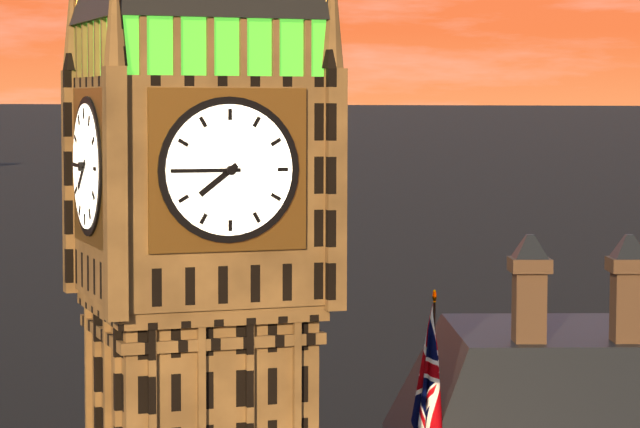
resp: 7,45
